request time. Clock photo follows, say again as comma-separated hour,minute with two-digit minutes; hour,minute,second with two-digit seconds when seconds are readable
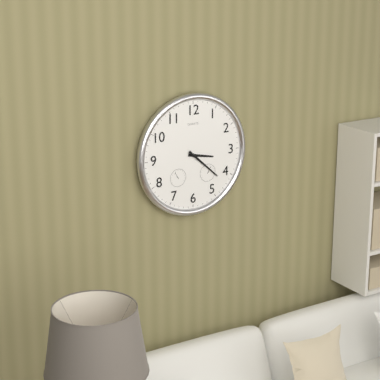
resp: 3,22
